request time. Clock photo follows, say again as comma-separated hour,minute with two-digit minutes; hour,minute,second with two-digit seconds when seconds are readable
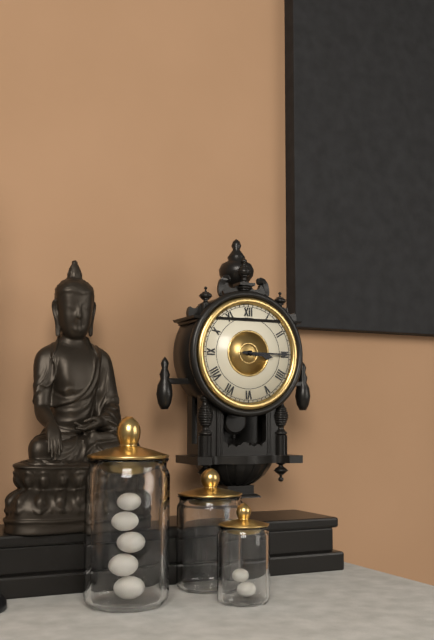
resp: 3,15
